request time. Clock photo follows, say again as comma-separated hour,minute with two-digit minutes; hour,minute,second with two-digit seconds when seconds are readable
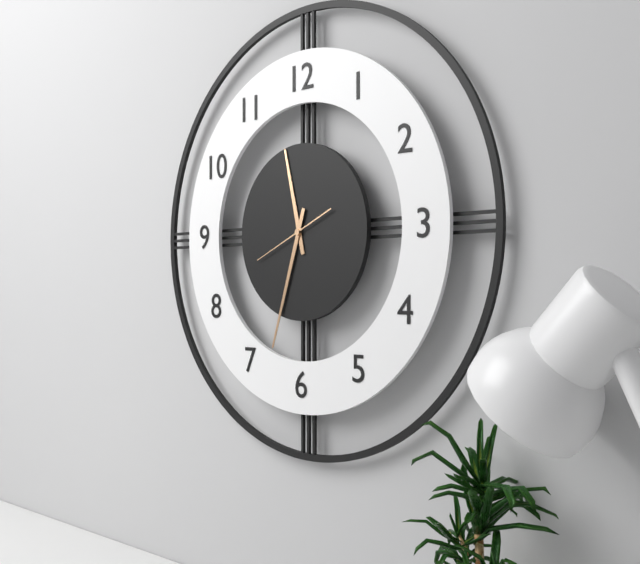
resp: 11,33,41
